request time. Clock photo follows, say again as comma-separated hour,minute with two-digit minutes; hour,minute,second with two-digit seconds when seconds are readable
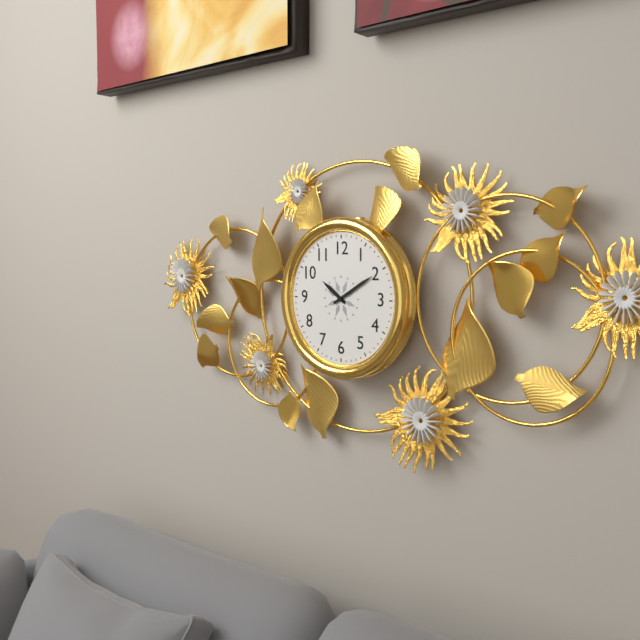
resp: 10,10
